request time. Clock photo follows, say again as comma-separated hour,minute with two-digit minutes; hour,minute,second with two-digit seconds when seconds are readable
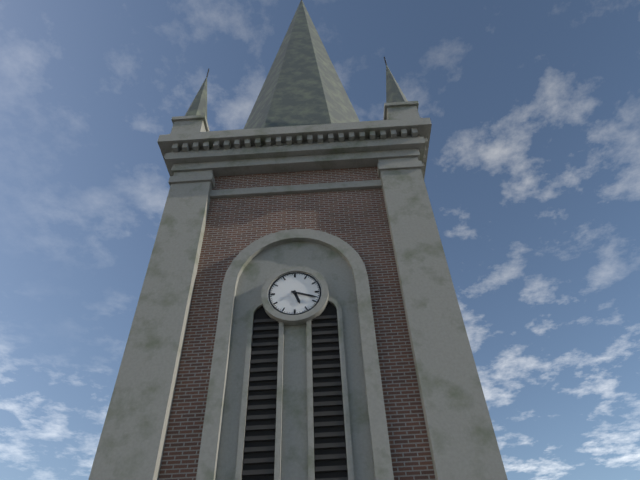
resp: 5,18
